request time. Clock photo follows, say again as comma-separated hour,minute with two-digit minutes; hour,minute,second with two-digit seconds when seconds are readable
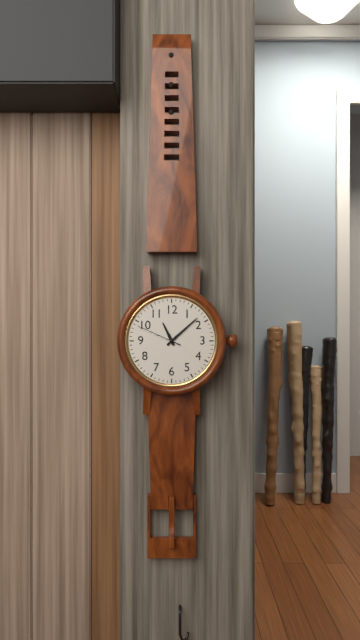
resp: 11,08
